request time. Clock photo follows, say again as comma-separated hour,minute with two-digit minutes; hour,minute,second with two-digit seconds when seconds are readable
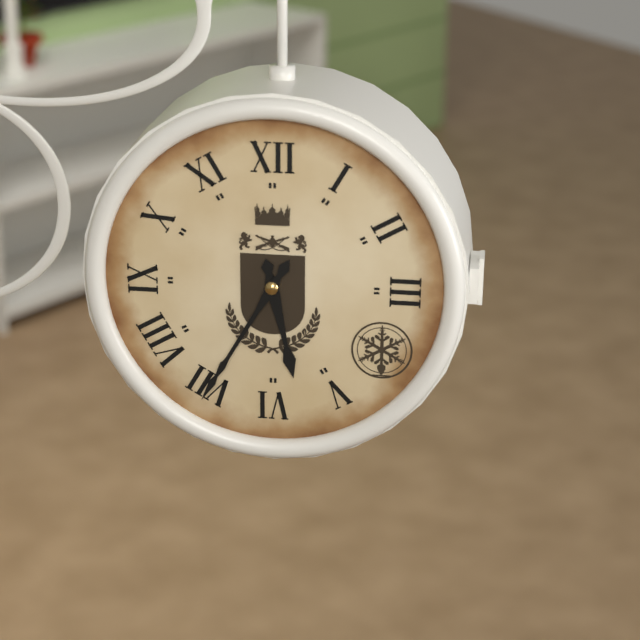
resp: 5,35
